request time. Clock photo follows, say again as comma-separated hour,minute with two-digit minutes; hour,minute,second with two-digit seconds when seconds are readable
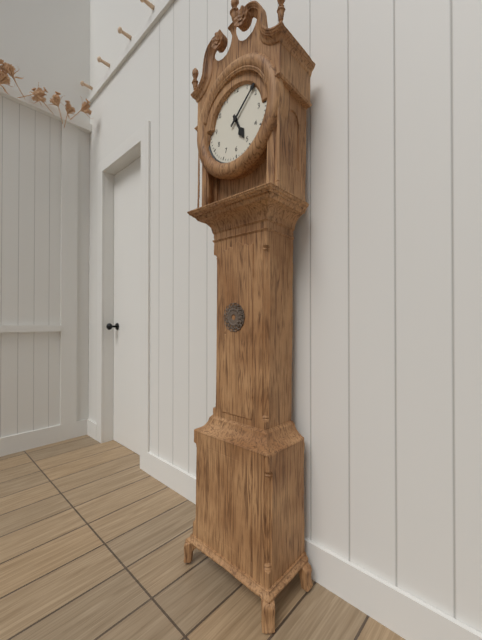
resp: 5,08
